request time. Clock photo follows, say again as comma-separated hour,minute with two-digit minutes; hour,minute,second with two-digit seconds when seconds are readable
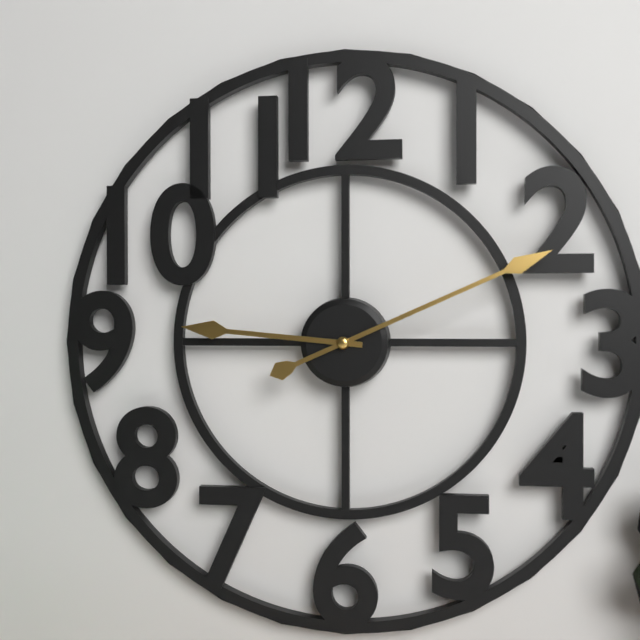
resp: 9,11
